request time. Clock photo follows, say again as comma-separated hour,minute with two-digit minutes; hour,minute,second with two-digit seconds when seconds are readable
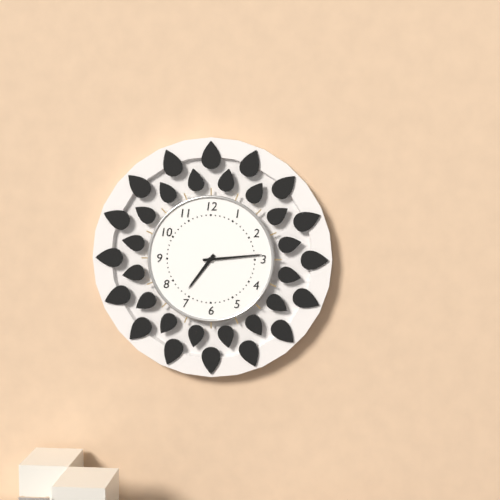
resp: 7,14
